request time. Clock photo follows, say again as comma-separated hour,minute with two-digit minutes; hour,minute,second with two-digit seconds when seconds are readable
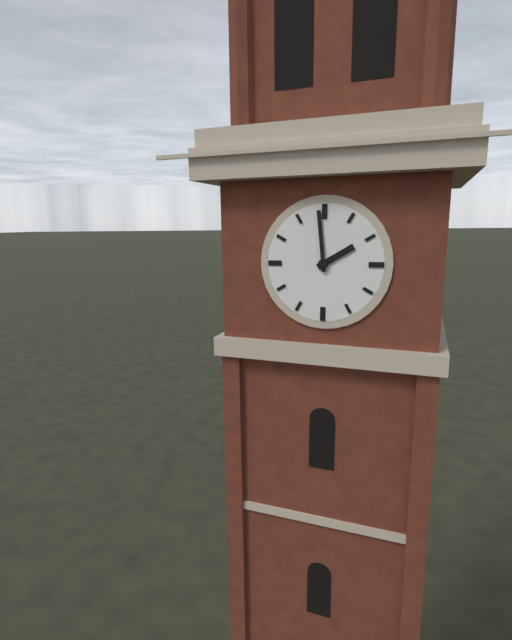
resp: 1,59
